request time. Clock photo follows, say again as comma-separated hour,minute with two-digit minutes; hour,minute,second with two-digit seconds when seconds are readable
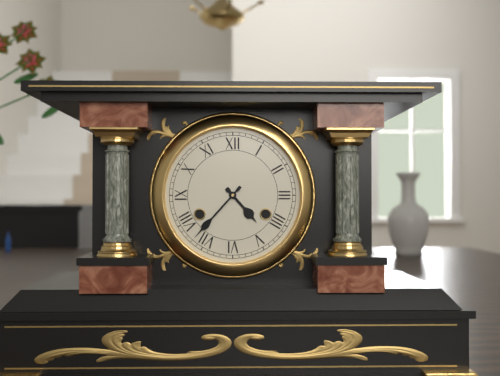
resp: 4,37
